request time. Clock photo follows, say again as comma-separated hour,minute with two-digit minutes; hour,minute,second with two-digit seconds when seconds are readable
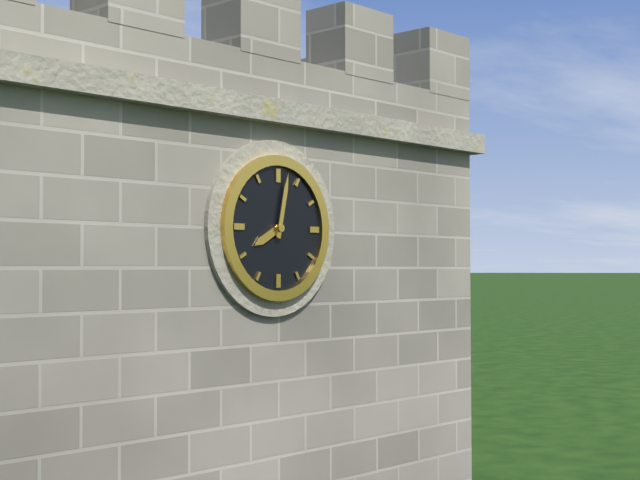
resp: 8,02
